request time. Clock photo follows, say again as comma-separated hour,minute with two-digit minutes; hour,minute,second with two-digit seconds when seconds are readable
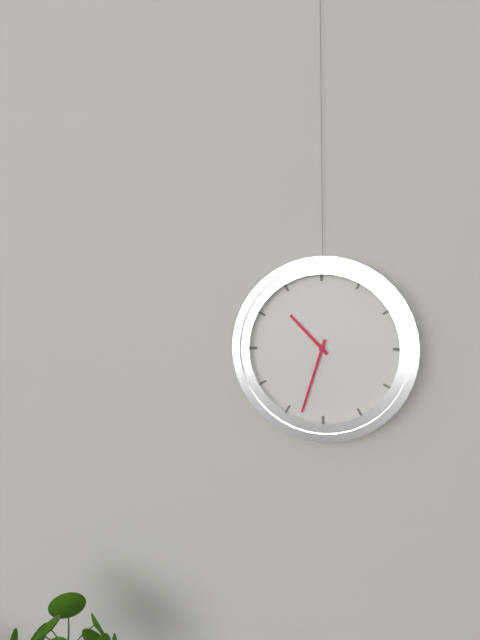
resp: 10,33
